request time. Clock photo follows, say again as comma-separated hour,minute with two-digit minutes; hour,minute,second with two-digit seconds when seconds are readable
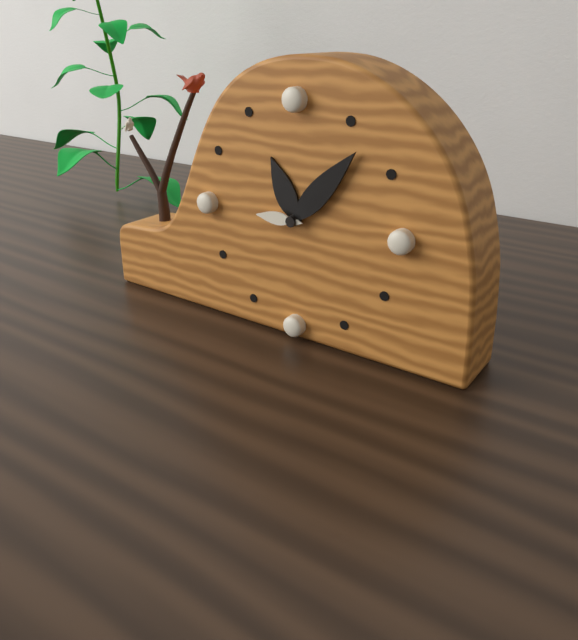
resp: 11,07
